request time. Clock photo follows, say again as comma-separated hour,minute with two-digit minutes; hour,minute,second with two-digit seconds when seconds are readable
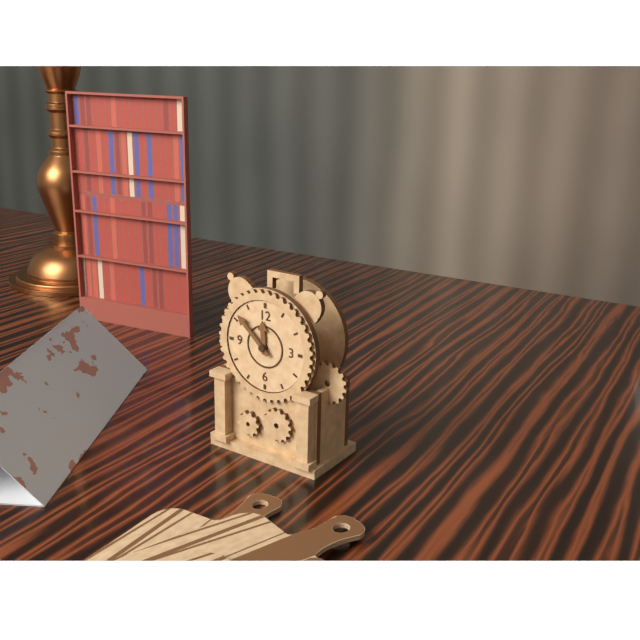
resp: 11,52
